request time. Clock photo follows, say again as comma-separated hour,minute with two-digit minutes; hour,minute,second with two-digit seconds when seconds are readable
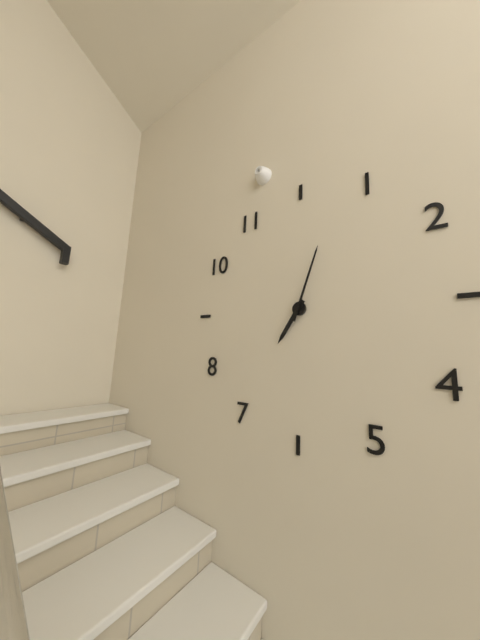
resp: 7,03
